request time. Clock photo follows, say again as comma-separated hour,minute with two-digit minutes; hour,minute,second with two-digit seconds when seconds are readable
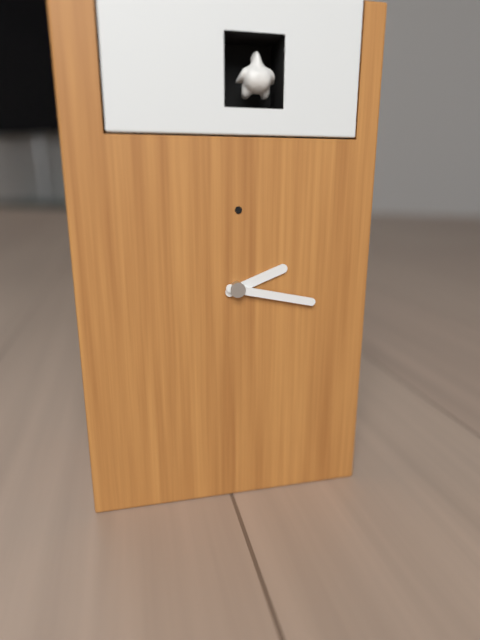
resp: 2,17
